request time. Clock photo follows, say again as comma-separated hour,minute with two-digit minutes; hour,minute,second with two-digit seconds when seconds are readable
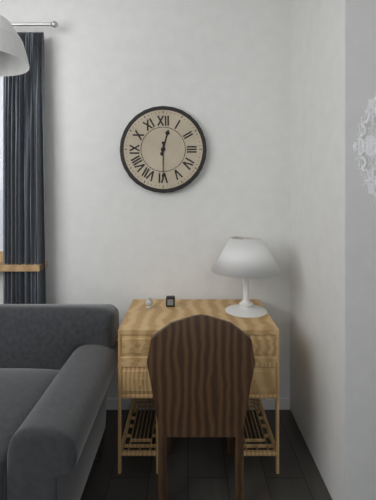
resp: 12,30
